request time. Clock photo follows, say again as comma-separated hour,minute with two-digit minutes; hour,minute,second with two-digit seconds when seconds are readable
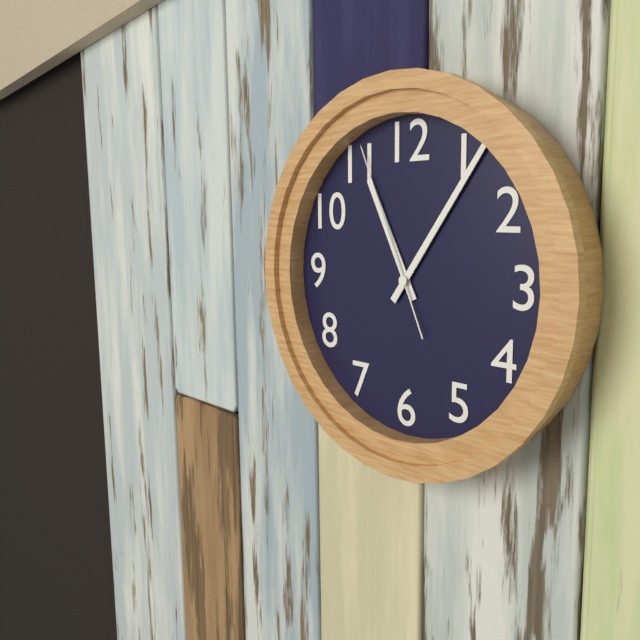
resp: 11,06,56
